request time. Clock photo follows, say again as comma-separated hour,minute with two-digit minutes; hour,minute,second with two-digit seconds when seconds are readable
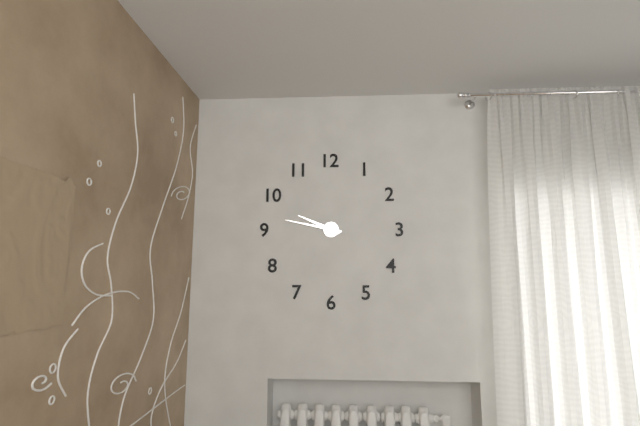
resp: 9,47
